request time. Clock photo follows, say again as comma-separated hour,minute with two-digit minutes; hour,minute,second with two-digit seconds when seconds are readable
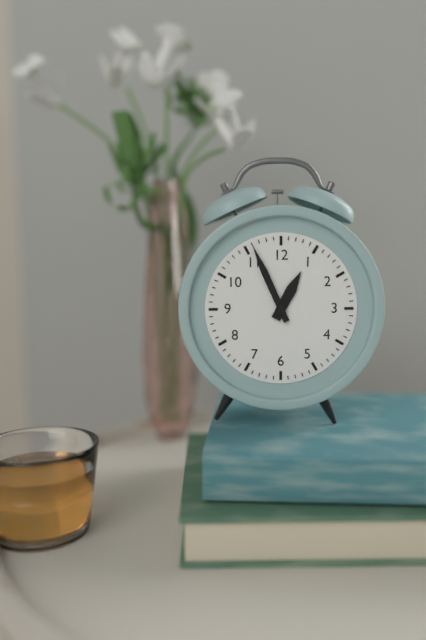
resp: 12,56
